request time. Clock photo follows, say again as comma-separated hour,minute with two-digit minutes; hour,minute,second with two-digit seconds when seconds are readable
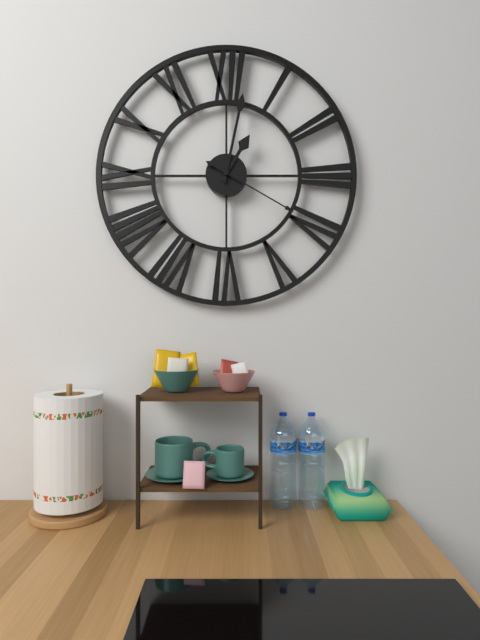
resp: 1,02,20
